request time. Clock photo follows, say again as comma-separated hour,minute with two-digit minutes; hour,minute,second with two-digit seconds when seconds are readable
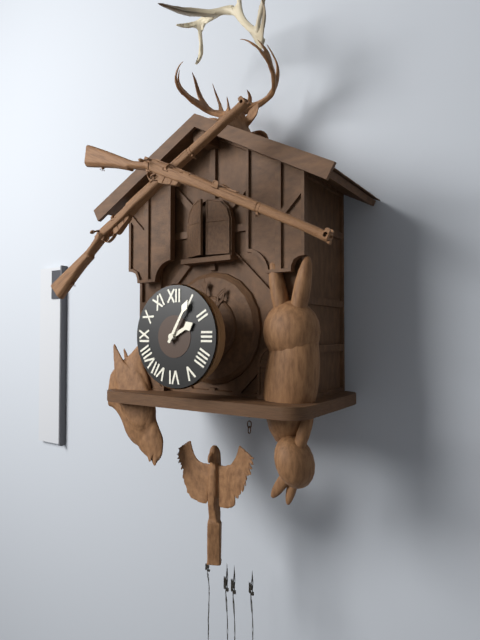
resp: 2,05
